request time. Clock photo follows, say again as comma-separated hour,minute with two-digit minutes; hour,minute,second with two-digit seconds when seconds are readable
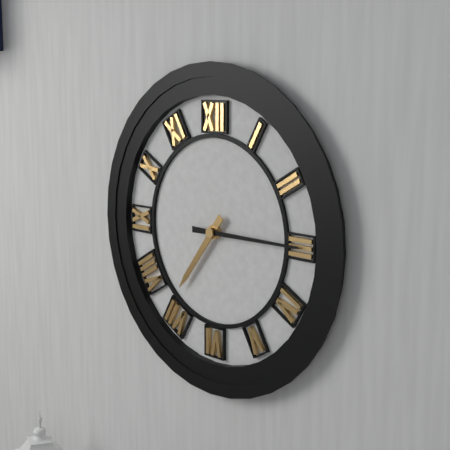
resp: 7,15
